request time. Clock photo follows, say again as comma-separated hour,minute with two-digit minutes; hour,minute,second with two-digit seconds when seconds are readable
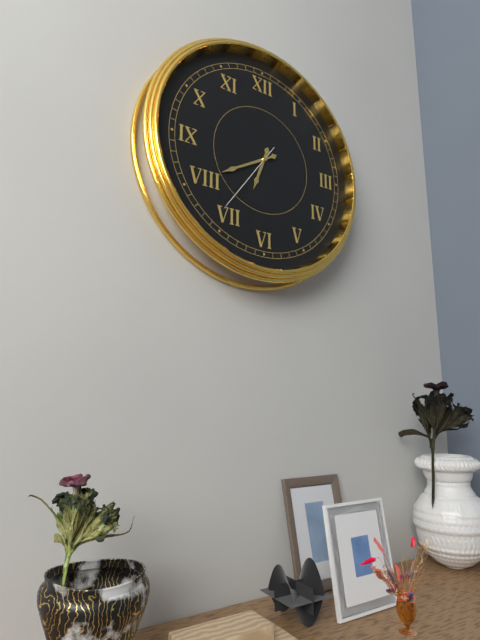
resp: 6,40,36
